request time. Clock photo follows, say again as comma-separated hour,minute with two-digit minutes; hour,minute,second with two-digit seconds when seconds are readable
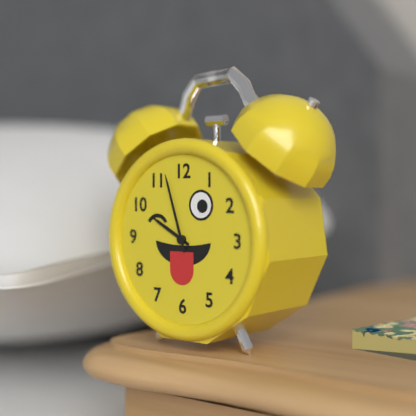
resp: 9,57
